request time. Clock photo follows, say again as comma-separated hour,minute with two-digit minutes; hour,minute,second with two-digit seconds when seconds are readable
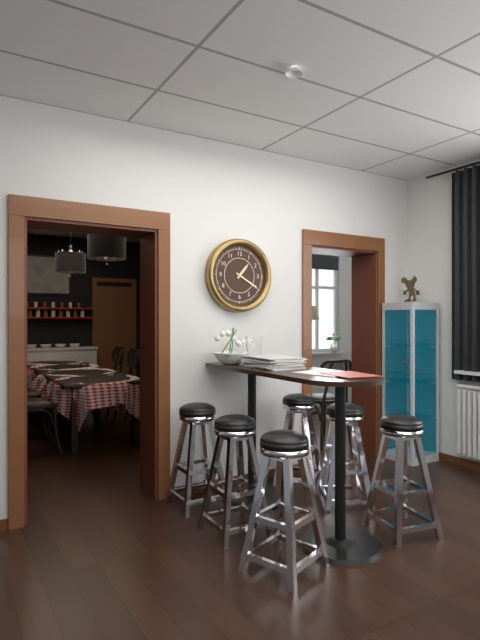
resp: 1,20
